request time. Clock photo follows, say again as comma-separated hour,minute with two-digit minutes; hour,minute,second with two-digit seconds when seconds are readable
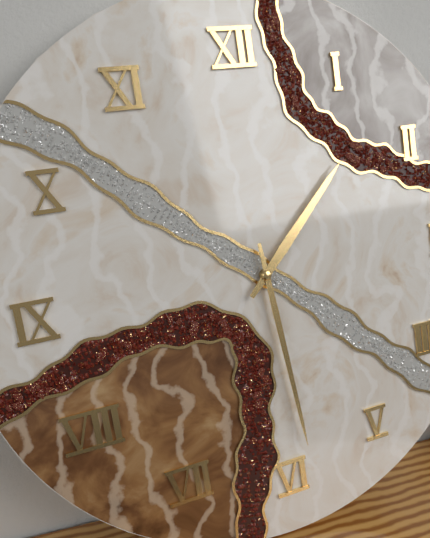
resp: 1,29
